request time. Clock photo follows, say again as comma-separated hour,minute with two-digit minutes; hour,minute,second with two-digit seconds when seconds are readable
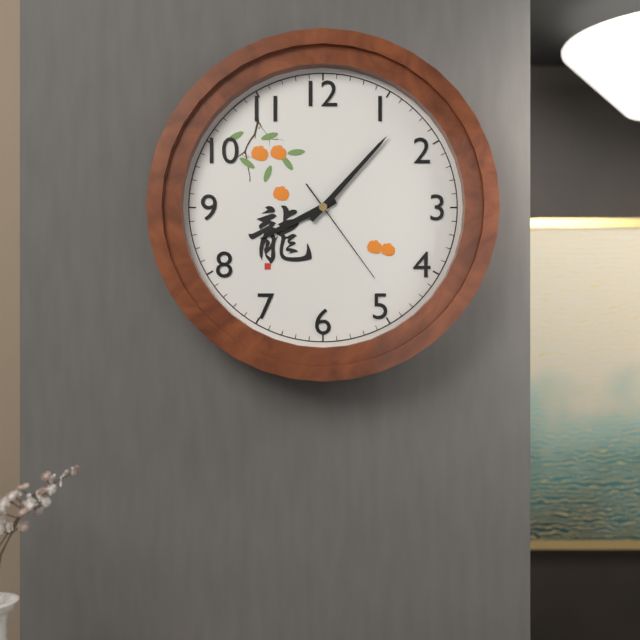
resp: 8,07,24
